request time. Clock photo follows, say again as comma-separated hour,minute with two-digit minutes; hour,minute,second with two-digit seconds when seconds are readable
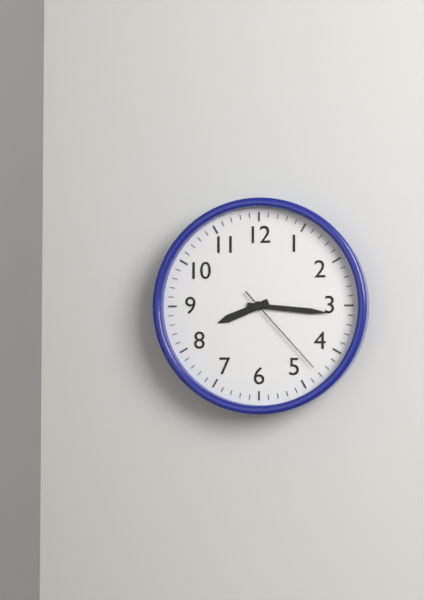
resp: 8,16,23
